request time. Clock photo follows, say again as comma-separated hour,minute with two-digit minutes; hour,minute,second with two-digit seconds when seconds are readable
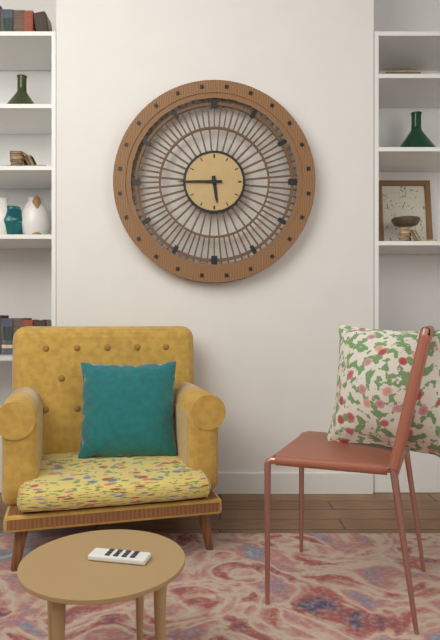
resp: 5,45
